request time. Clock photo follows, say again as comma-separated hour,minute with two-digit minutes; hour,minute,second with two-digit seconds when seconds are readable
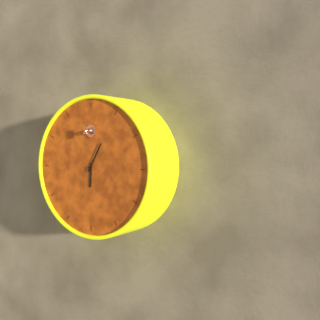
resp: 6,05
